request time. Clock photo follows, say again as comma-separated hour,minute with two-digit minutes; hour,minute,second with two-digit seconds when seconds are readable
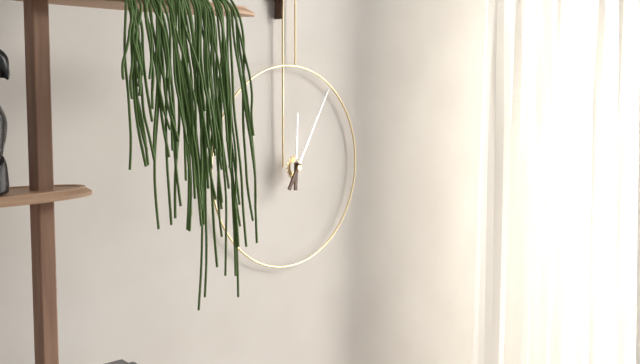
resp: 12,05
